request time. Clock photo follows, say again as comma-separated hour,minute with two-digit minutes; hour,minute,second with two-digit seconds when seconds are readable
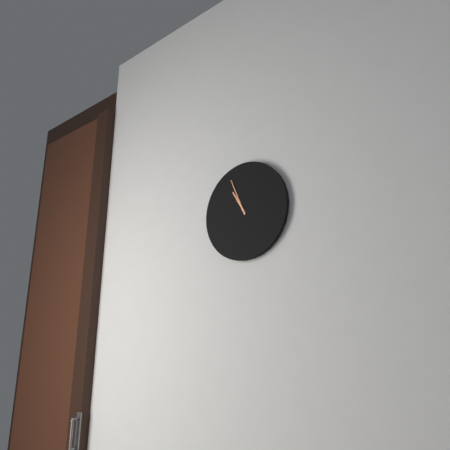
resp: 10,56
